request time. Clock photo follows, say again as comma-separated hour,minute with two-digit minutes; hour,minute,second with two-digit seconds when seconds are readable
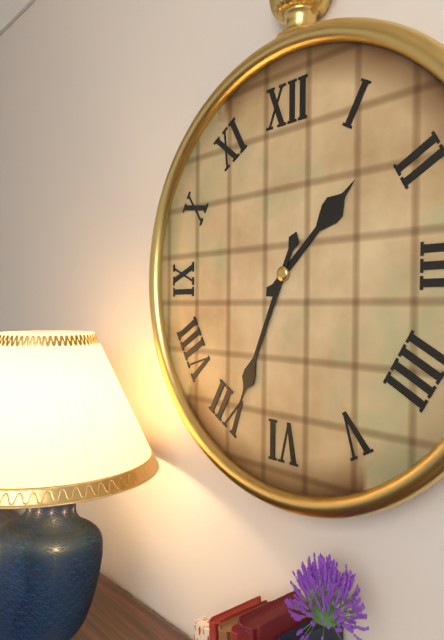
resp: 1,34
